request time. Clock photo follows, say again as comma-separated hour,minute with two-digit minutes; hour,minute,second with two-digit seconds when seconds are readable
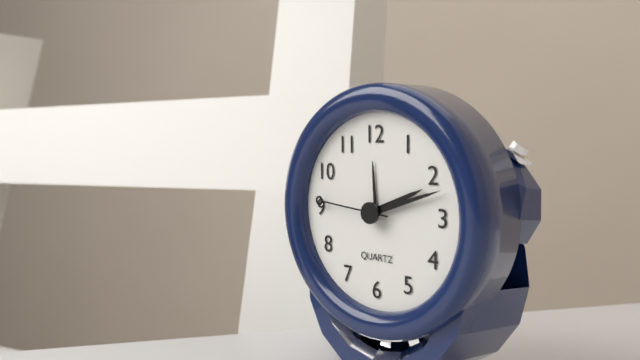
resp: 2,12,46
